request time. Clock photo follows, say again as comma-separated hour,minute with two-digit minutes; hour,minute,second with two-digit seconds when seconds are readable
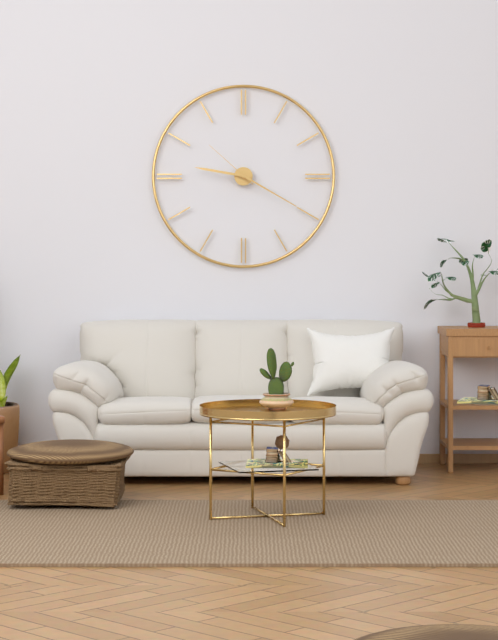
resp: 9,20,52
